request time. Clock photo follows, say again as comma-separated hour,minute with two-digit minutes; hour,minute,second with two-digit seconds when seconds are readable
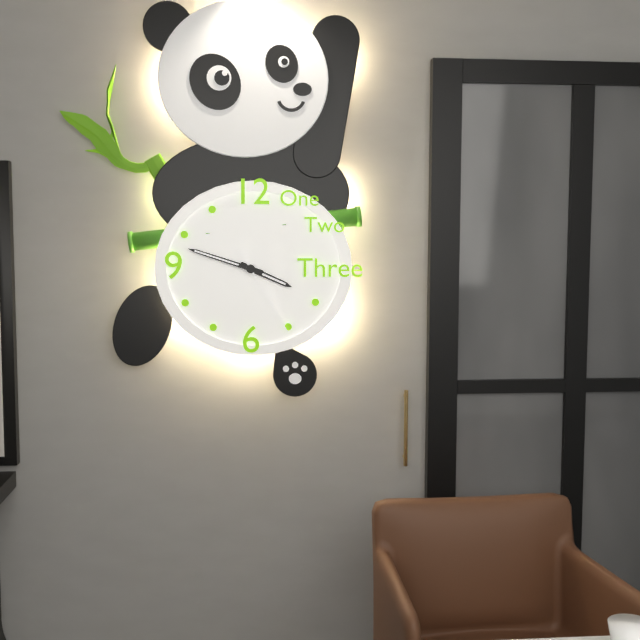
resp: 3,48,25
